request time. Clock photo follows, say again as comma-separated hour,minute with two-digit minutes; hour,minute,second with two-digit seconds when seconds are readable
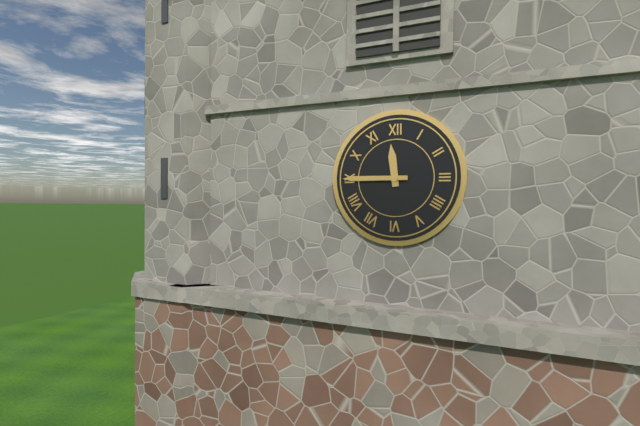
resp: 11,45
